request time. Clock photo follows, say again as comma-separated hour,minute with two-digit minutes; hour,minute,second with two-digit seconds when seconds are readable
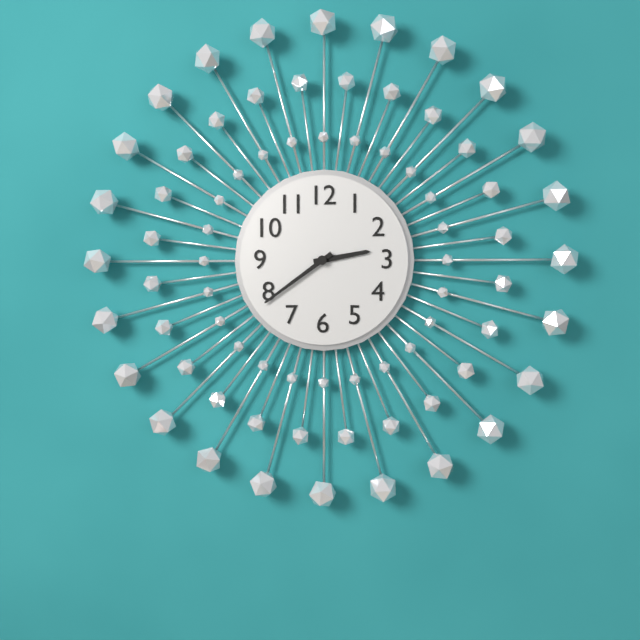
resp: 2,39
